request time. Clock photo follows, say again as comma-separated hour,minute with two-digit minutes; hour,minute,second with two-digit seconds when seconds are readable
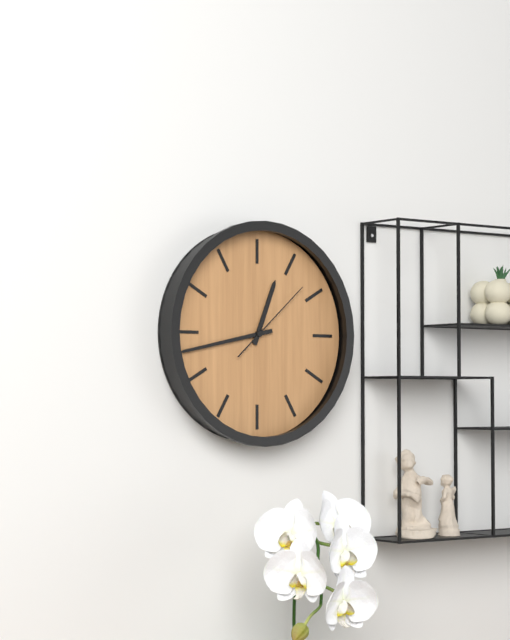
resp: 12,43,08
